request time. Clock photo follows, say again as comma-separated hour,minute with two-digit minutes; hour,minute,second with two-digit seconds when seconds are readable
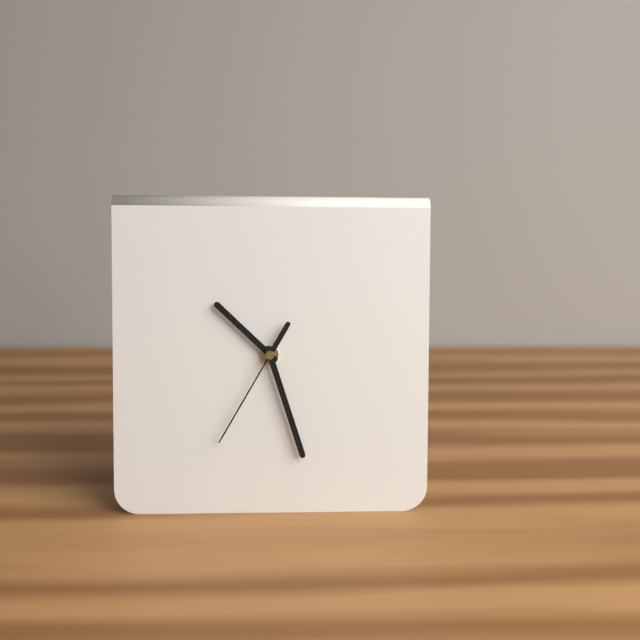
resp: 10,27,35
